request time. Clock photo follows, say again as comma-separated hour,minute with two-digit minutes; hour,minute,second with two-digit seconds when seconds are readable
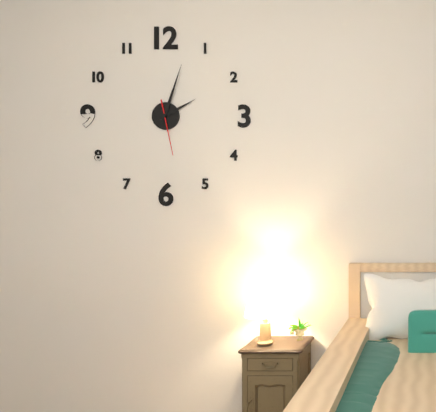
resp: 2,03
